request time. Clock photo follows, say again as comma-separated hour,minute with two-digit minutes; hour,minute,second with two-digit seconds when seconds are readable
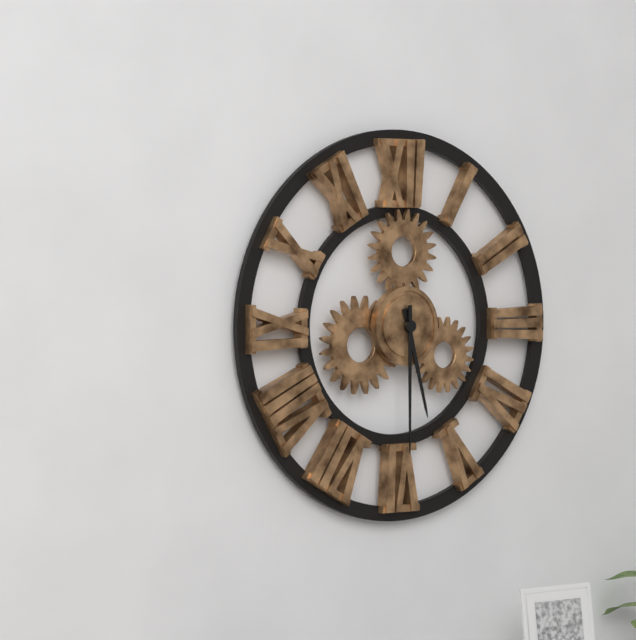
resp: 5,30
